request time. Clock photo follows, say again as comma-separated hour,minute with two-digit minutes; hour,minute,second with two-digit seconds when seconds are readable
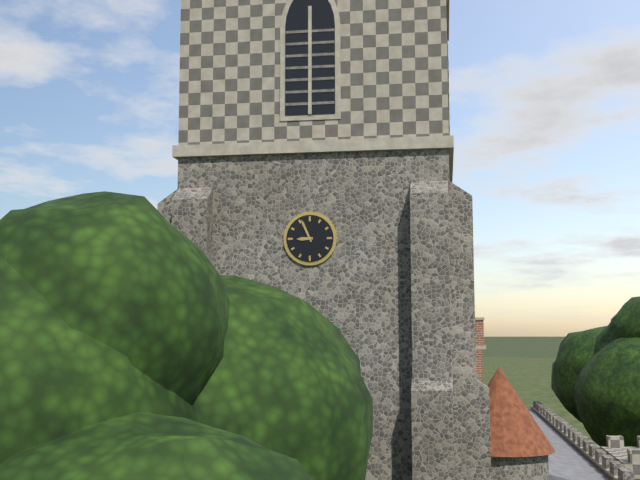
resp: 8,56
